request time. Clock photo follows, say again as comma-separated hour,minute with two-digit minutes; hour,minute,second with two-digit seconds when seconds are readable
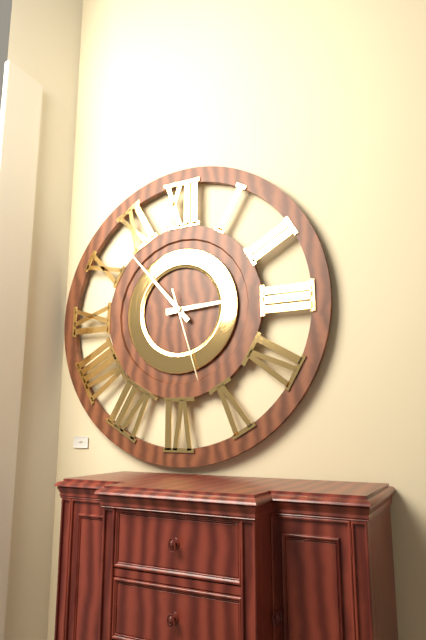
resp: 2,53,27
